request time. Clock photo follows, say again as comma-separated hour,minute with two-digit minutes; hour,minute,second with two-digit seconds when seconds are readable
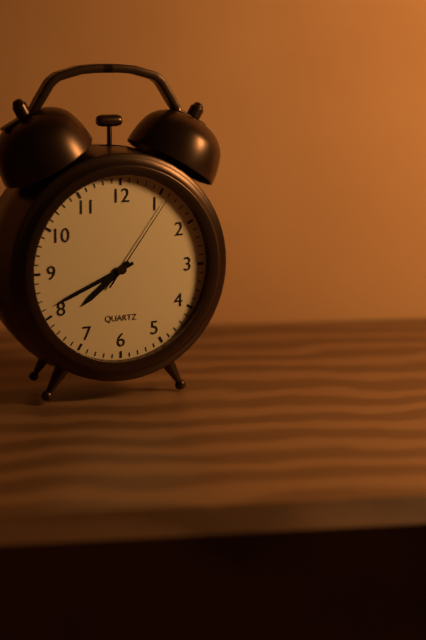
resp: 7,41,06
